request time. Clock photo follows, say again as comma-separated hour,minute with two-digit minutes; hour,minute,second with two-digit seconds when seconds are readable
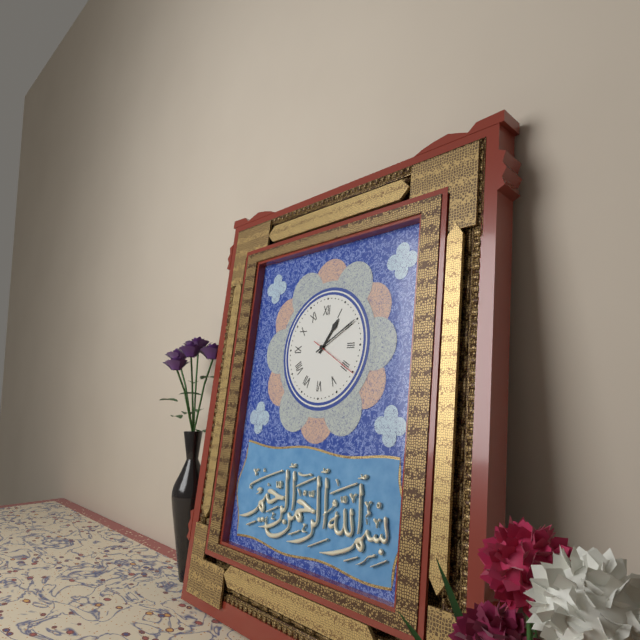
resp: 1,10,20
